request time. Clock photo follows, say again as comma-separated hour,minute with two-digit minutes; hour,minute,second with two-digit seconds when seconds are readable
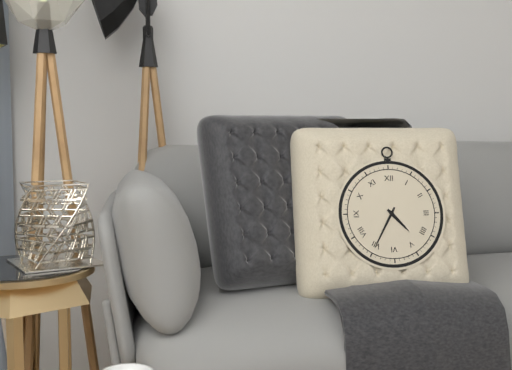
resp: 4,35
